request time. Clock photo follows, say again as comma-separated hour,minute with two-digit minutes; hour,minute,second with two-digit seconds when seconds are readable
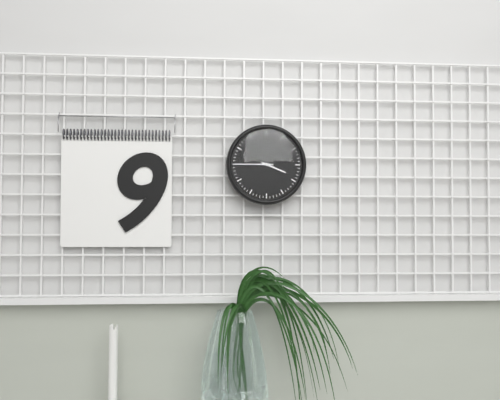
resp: 3,45
